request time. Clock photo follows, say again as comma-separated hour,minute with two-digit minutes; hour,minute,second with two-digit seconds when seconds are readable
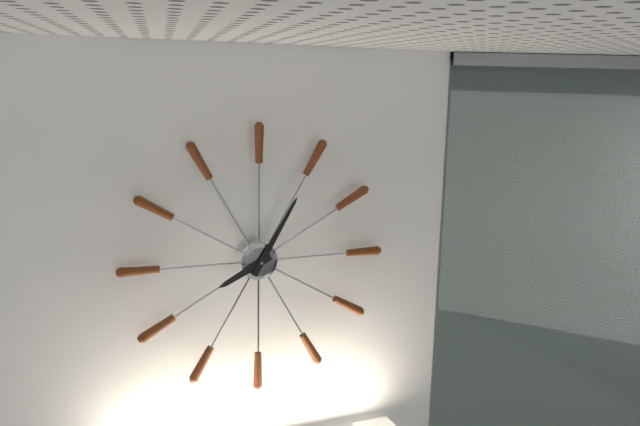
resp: 8,05
